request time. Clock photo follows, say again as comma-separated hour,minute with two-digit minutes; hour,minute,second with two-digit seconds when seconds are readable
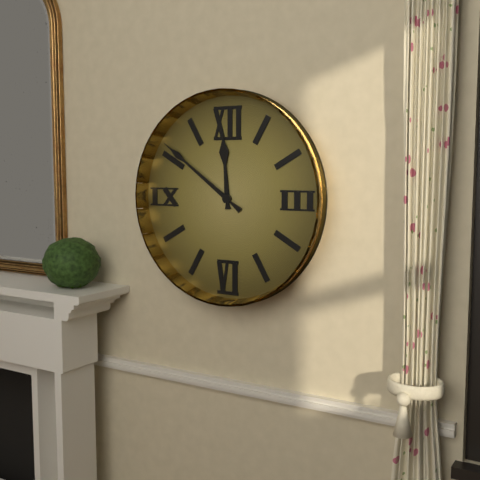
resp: 11,51
